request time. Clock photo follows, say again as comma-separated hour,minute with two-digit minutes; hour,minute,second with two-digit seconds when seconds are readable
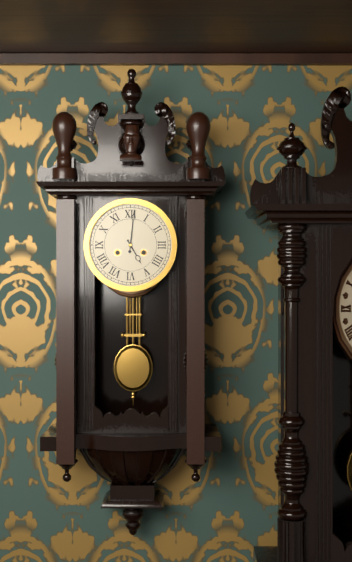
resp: 5,01
